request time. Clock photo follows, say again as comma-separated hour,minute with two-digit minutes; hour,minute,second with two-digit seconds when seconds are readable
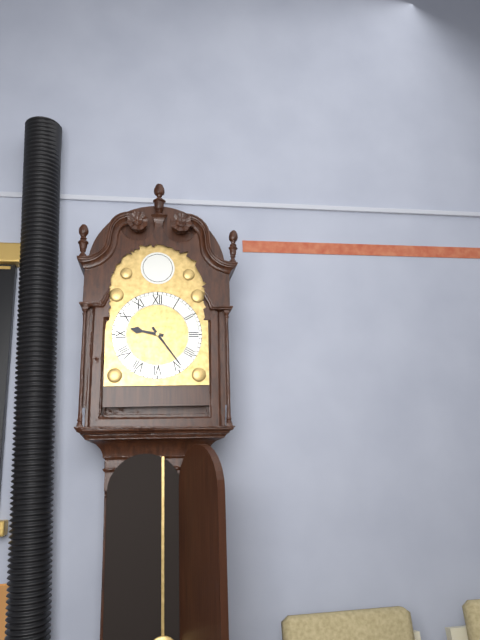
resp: 9,24
